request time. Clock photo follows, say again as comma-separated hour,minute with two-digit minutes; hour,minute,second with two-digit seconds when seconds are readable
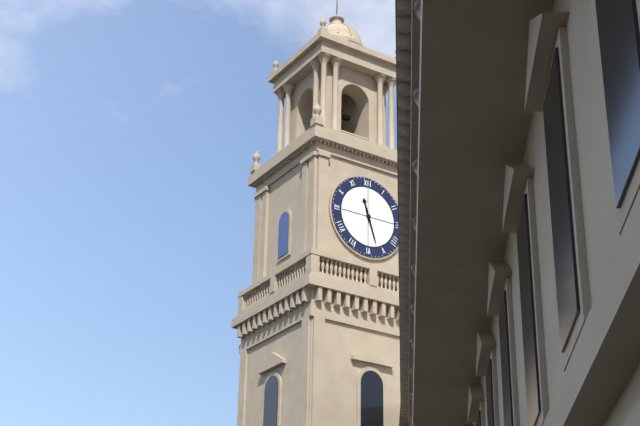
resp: 11,27
